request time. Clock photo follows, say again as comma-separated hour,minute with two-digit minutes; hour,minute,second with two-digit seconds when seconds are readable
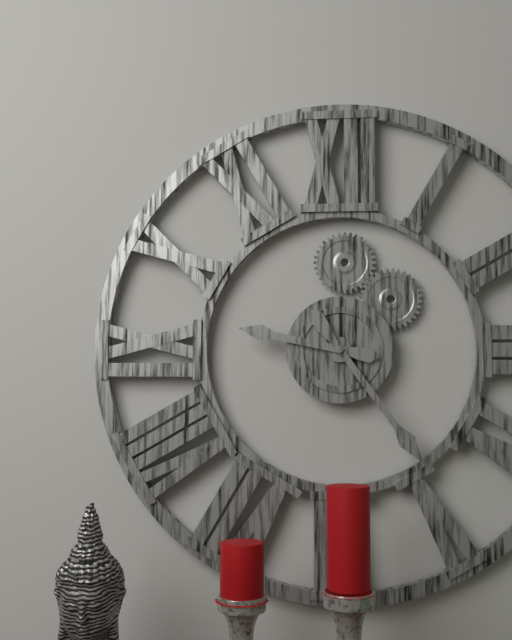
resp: 9,24
